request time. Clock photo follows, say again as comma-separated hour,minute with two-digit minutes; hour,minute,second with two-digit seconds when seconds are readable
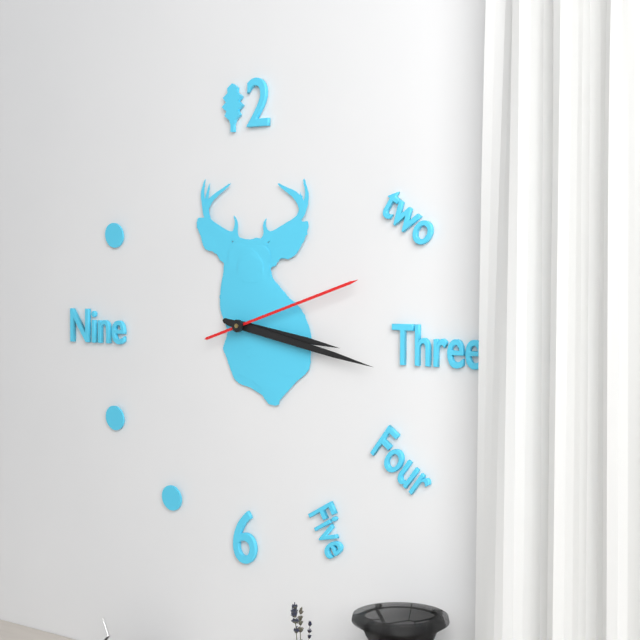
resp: 3,17,12
